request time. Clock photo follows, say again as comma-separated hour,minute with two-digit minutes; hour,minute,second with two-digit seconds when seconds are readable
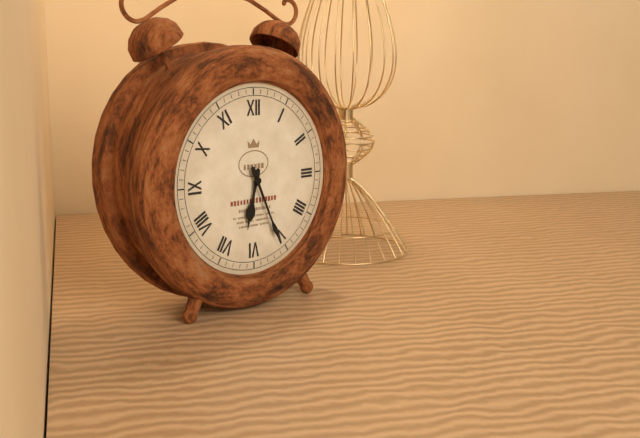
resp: 6,26
